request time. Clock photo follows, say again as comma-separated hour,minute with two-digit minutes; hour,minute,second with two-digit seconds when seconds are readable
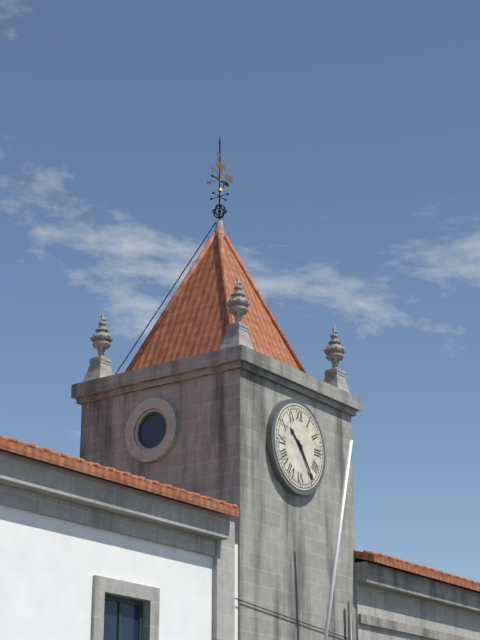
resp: 10,24
